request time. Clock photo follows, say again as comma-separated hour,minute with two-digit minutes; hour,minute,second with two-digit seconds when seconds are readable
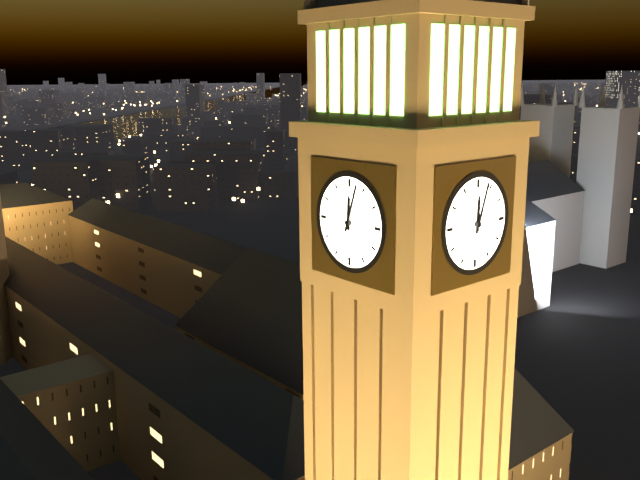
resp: 12,03
